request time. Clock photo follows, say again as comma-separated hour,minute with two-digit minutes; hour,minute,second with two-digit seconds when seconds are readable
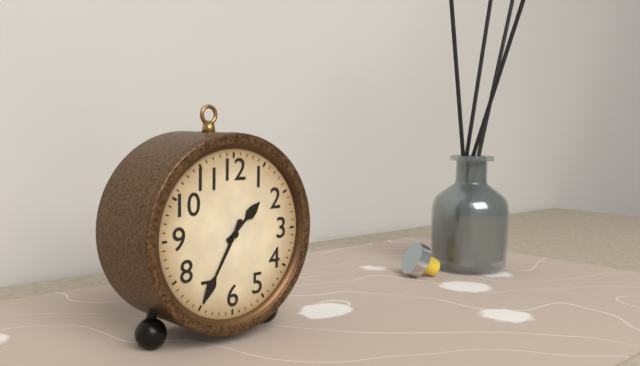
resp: 1,35
